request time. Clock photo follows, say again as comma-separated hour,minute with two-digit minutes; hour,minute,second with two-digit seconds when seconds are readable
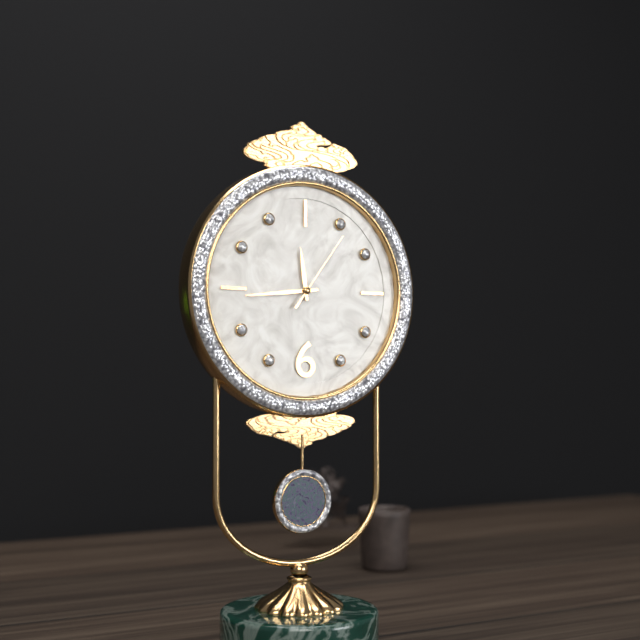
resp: 11,44,06
